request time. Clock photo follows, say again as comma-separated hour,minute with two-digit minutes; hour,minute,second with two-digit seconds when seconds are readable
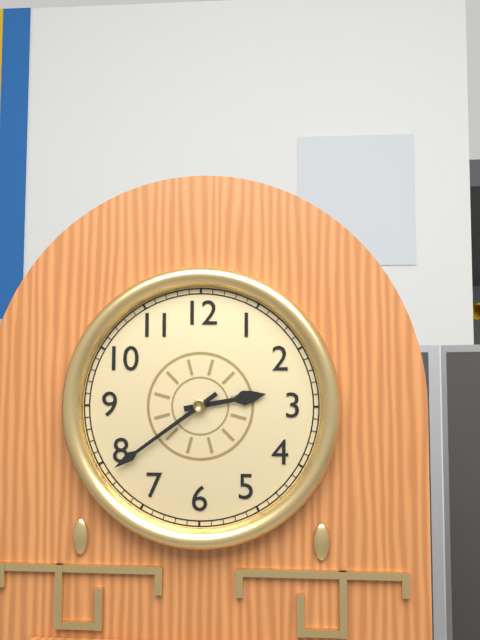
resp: 2,39
